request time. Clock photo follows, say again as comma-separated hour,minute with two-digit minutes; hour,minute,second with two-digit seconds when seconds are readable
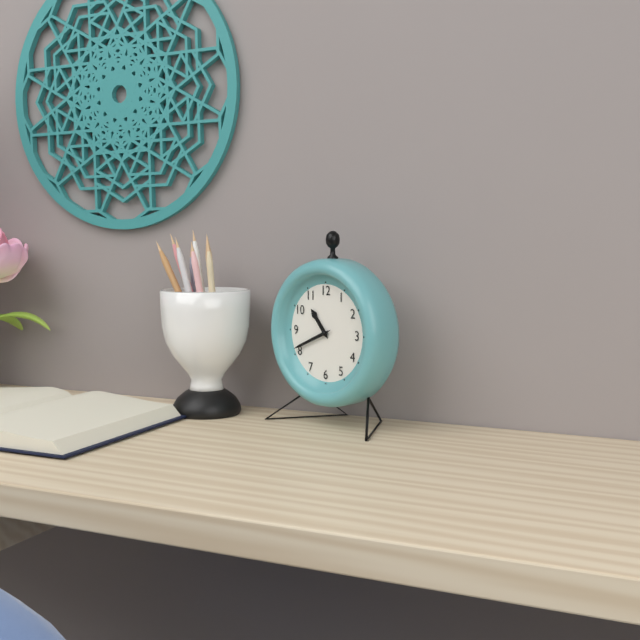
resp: 10,41
